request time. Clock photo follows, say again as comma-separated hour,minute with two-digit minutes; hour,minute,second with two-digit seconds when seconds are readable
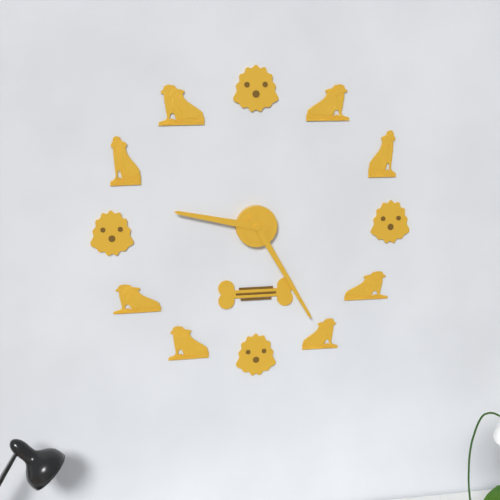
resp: 9,25
